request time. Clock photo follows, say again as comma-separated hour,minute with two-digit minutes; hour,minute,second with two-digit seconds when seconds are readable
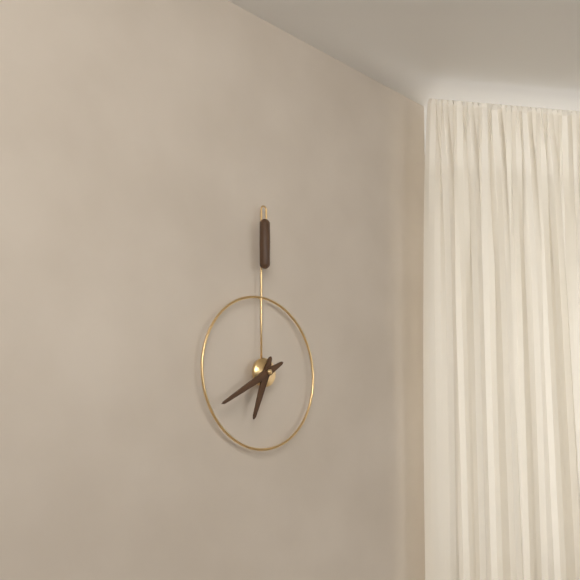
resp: 6,40
